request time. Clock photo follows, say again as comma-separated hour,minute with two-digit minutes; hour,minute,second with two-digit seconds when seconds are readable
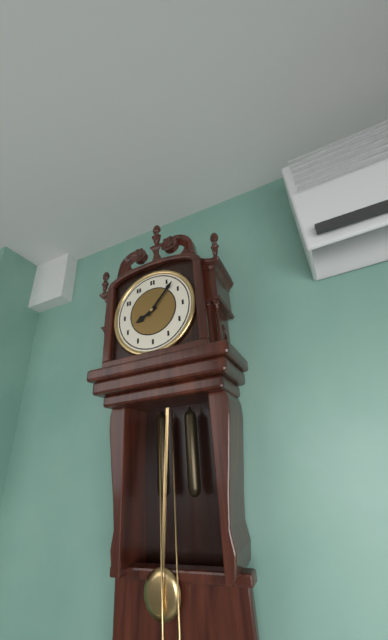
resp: 8,07
